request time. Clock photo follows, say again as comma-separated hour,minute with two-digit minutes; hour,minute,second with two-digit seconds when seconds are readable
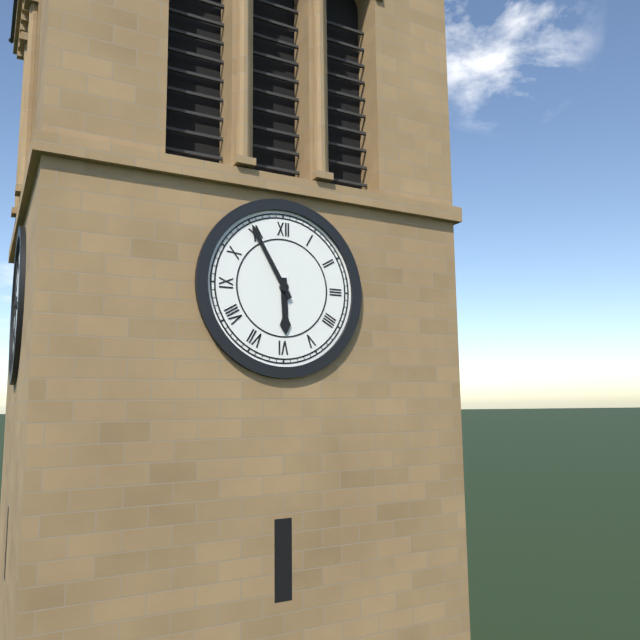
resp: 5,55
